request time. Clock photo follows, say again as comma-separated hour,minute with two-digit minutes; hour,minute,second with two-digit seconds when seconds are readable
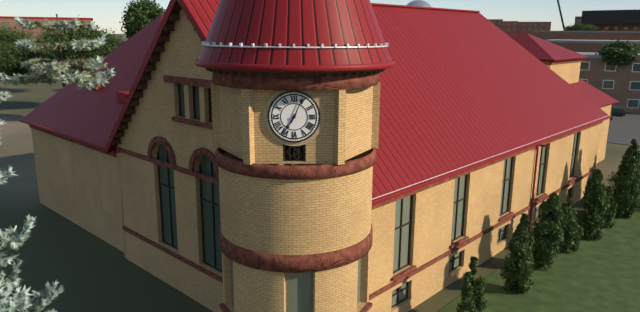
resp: 7,04
